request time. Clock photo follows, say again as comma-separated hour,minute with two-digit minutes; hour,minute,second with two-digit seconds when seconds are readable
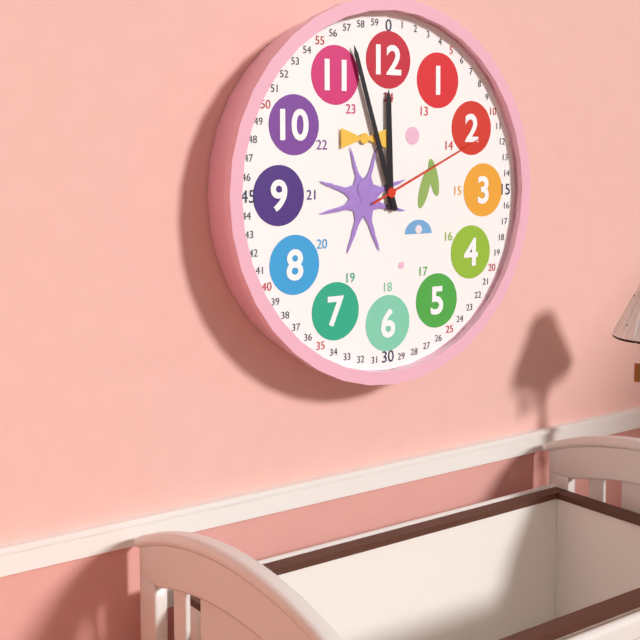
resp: 11,57,11
